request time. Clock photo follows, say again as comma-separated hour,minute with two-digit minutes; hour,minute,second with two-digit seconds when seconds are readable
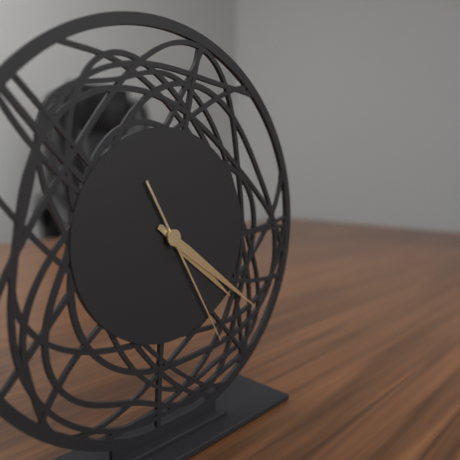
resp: 4,21,25
